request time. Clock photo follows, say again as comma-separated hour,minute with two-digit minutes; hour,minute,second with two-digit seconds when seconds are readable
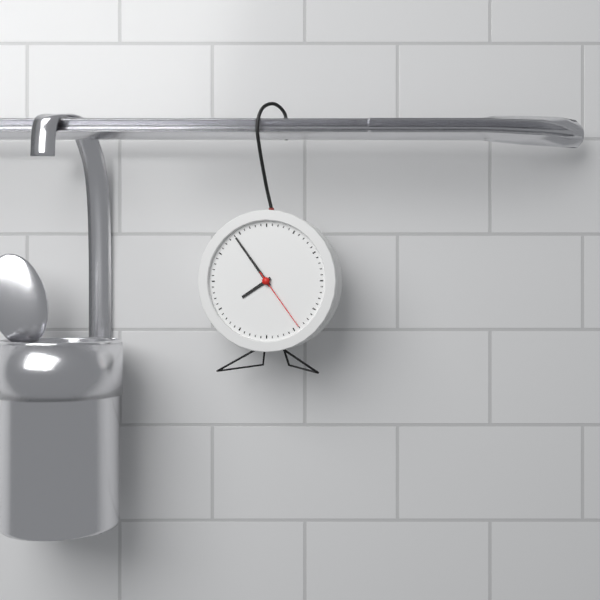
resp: 7,54,24
